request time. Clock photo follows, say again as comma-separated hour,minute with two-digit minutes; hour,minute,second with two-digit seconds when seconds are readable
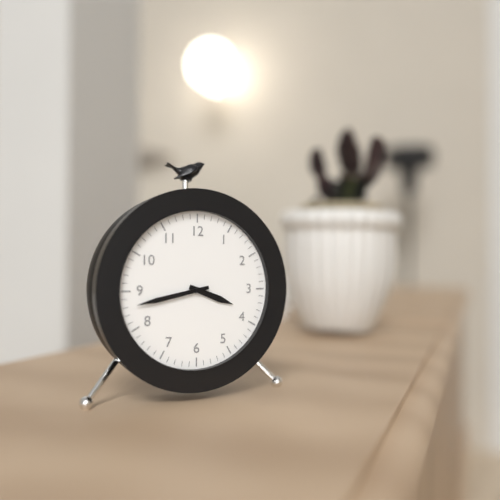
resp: 3,43
